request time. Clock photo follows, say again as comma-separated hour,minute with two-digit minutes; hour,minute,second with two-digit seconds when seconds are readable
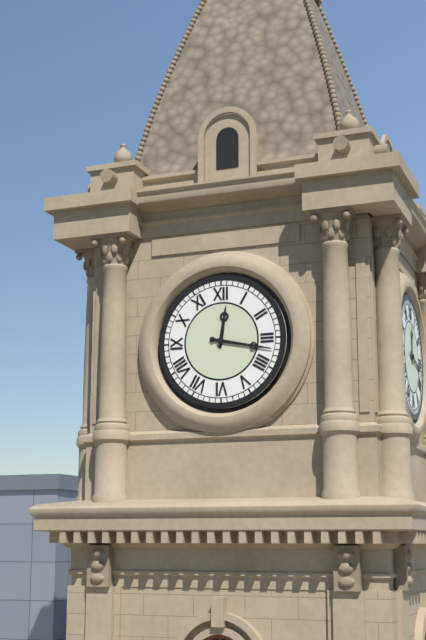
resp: 12,17
